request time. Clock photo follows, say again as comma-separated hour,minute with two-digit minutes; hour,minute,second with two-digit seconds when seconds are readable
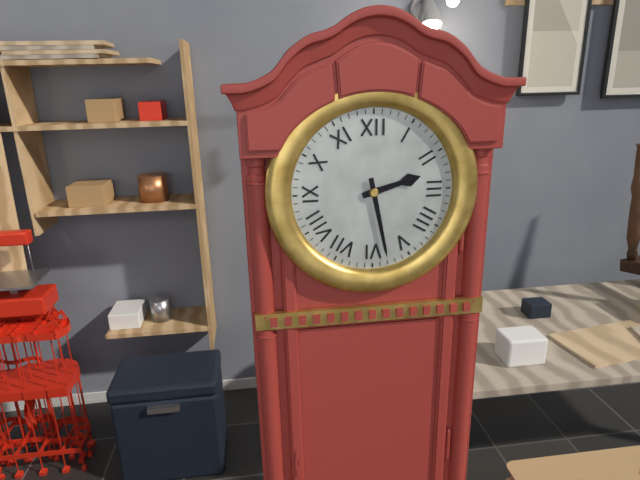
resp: 2,28
